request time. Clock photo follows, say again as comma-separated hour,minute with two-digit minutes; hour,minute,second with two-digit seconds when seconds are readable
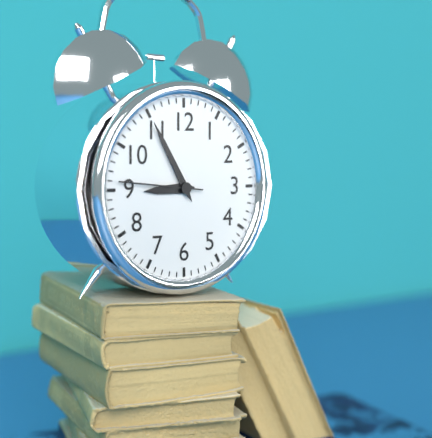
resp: 8,55,46
